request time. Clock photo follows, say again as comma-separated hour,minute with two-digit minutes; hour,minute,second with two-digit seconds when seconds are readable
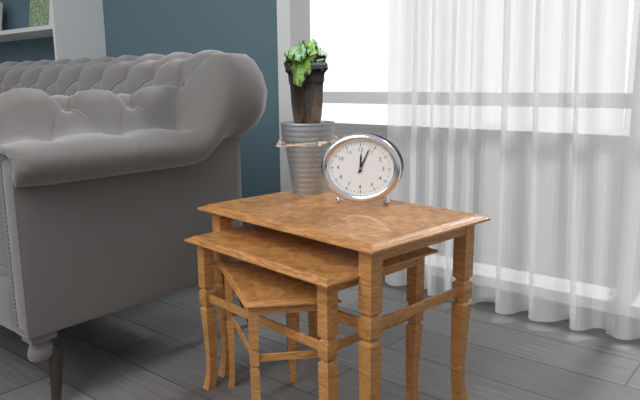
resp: 12,04
